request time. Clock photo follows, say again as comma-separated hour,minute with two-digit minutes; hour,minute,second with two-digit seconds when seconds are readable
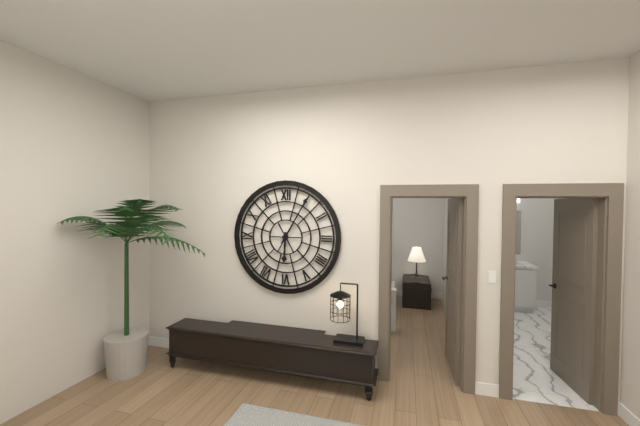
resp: 6,05
